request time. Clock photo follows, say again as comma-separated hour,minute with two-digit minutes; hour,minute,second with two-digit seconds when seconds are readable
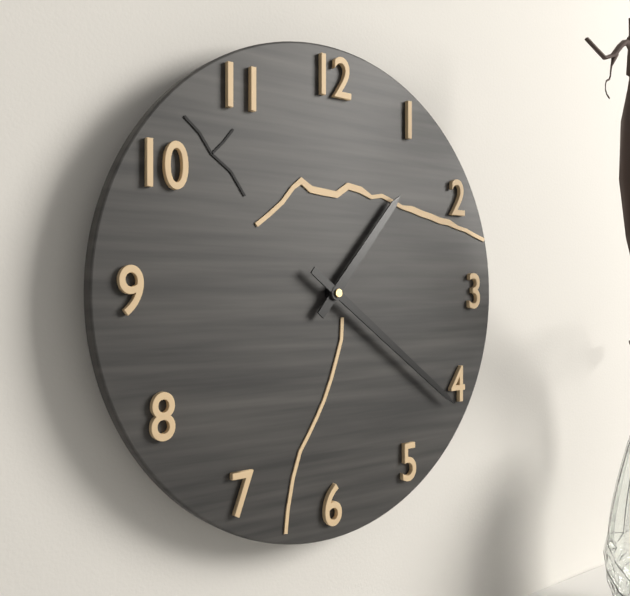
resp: 1,21
